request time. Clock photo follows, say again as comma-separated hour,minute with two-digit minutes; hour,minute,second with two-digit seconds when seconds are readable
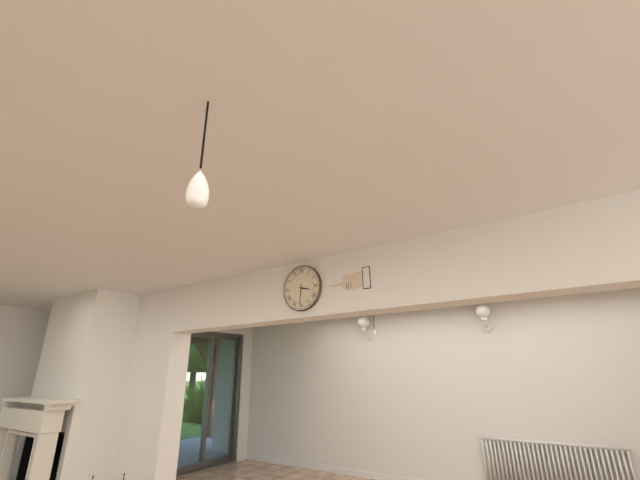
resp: 3,31
